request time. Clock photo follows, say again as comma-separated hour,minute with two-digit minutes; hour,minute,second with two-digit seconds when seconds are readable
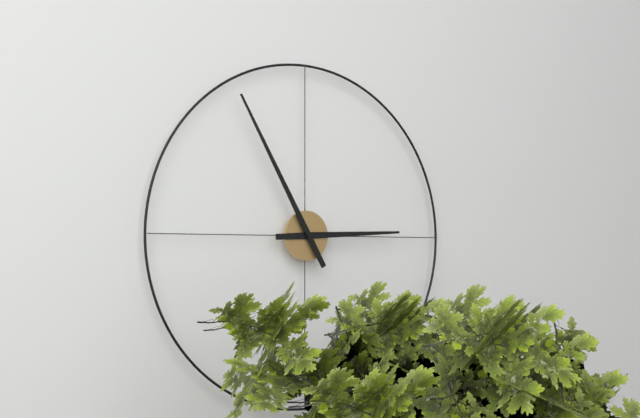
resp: 2,55
